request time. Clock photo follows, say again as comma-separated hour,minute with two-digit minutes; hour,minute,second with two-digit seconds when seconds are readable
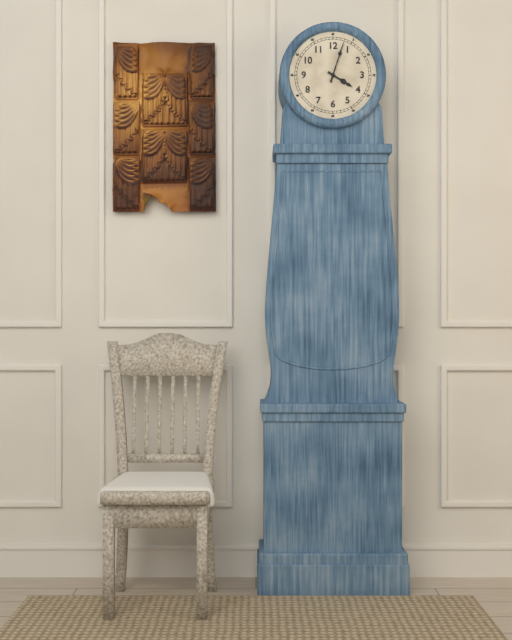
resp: 4,03
